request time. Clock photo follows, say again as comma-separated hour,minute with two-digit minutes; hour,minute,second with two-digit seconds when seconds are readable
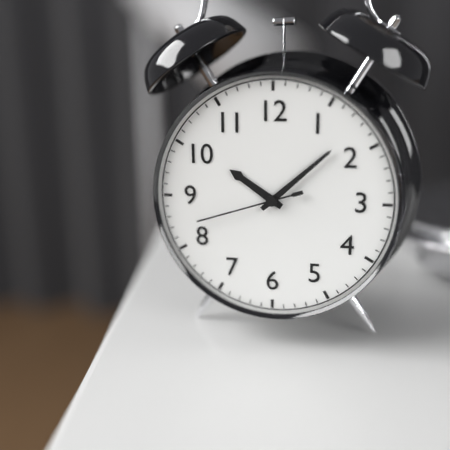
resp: 10,08,42
